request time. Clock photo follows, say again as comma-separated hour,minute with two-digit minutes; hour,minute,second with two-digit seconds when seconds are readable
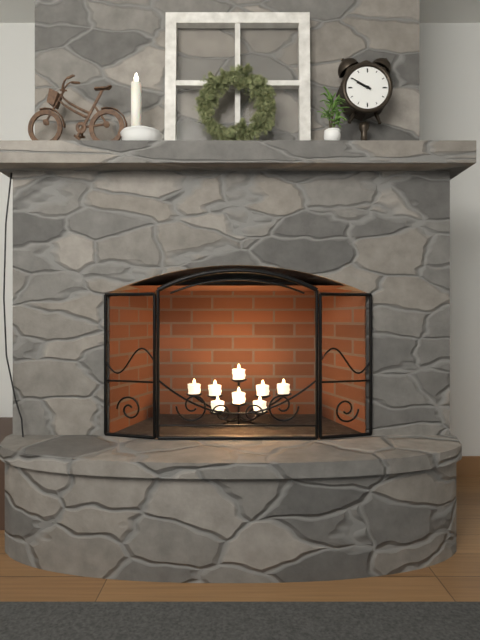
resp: 9,50
